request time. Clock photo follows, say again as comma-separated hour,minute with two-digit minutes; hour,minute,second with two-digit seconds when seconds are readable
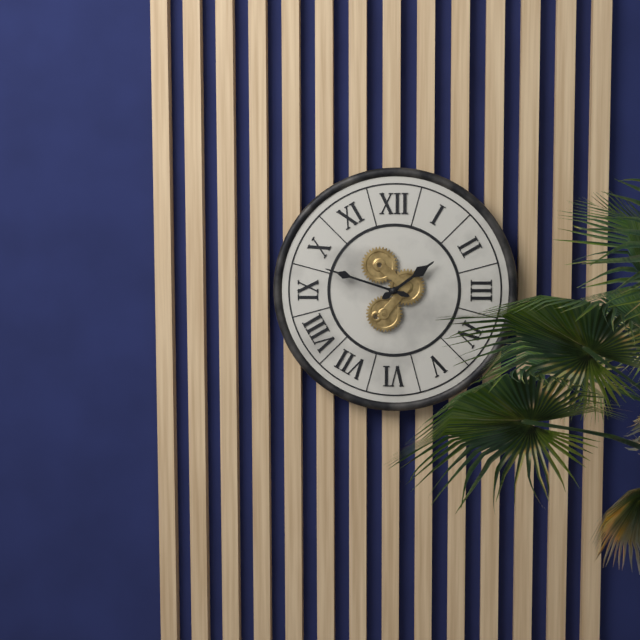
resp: 1,48
